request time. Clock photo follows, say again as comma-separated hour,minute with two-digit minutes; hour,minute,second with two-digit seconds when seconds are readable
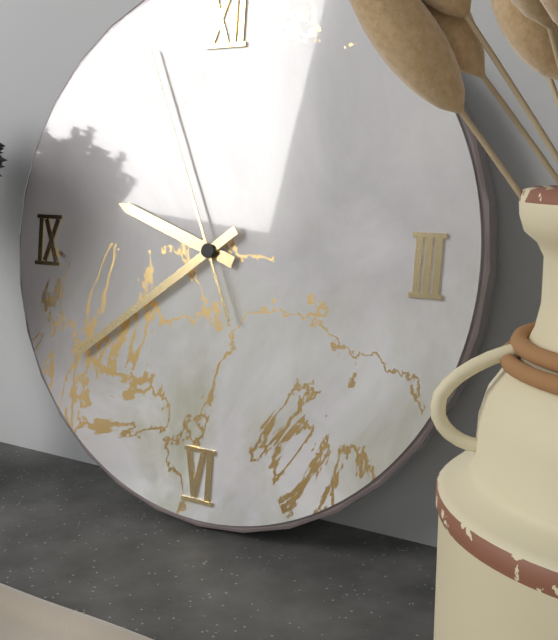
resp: 9,39,56
